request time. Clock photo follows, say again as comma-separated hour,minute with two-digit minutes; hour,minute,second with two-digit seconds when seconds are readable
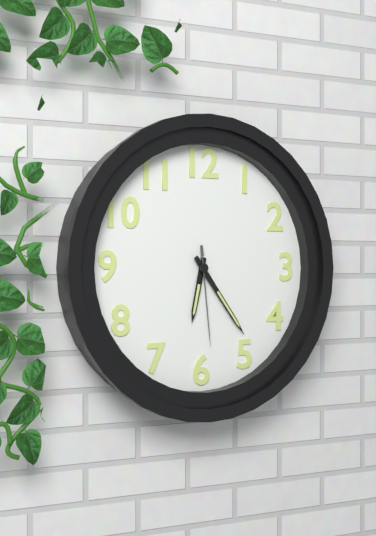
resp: 6,24,29
